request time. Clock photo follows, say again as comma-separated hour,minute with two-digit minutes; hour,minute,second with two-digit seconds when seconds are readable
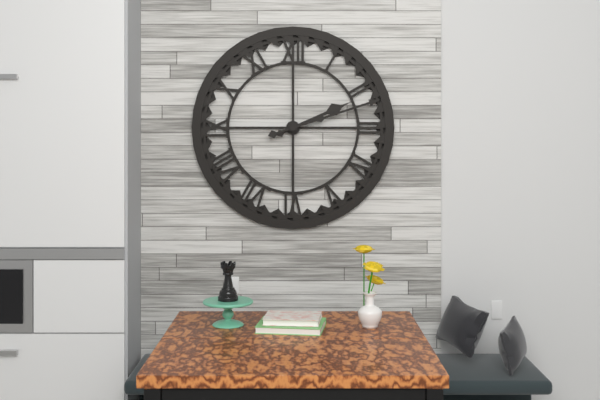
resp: 2,12
